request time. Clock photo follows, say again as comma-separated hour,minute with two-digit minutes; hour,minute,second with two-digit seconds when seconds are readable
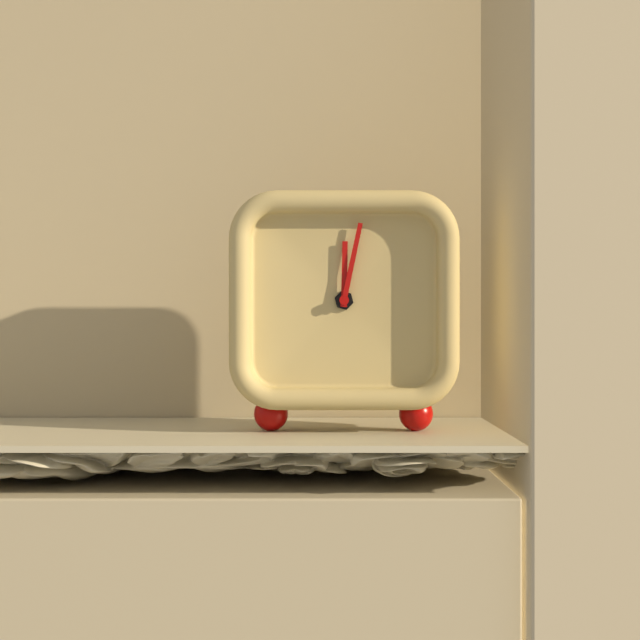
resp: 12,02
